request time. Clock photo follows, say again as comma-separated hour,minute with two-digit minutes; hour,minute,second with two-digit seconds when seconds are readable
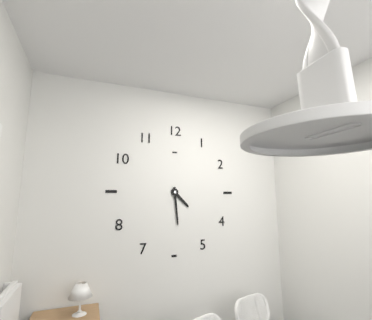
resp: 4,29
